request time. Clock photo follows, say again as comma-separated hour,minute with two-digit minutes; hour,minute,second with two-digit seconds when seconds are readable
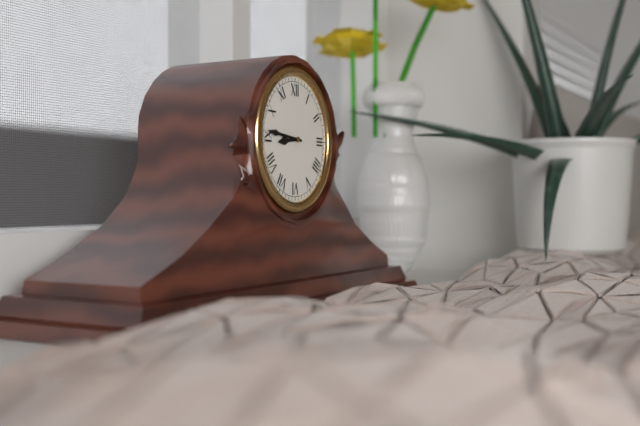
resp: 8,46
